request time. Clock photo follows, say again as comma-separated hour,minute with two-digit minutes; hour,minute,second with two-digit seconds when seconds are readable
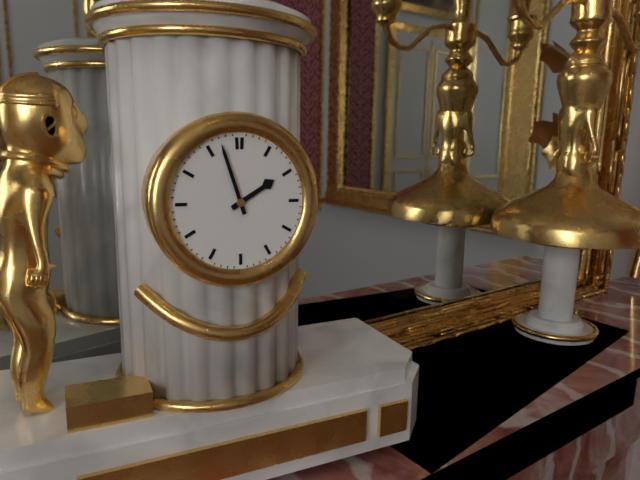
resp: 1,57
